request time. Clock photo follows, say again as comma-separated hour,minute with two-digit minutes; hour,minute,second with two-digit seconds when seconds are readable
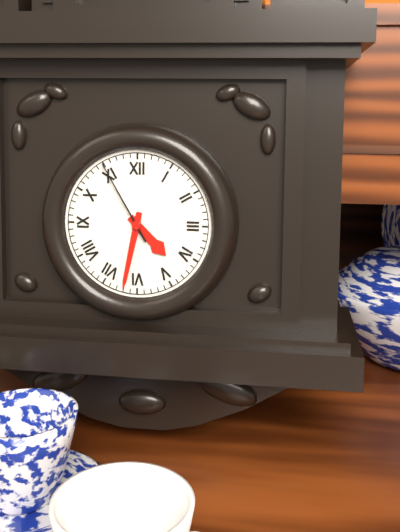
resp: 4,32,55
